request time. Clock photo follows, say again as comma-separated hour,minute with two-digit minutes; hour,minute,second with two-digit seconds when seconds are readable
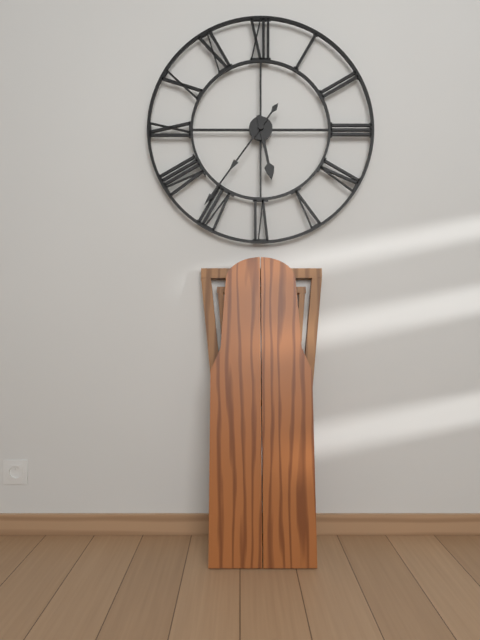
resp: 5,36
